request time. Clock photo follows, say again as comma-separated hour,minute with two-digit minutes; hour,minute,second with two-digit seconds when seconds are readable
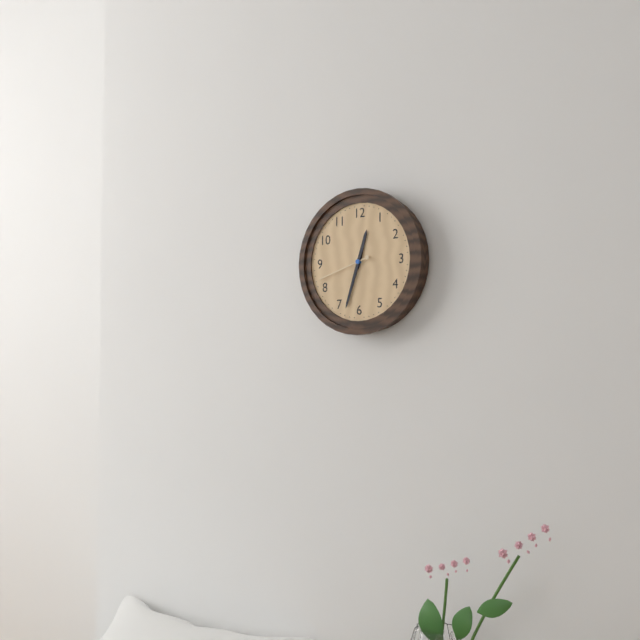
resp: 12,33,42
